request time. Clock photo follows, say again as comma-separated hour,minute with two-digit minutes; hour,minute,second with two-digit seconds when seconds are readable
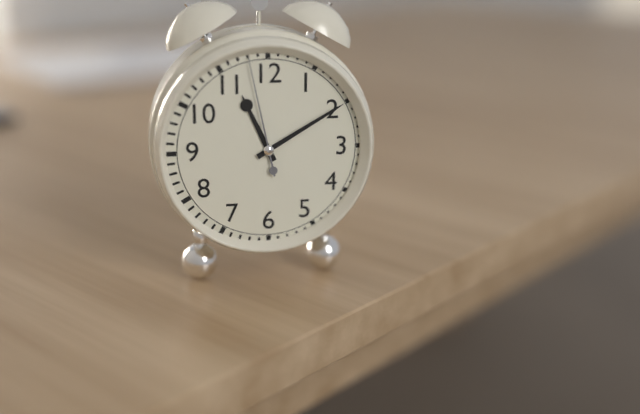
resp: 11,10,58
